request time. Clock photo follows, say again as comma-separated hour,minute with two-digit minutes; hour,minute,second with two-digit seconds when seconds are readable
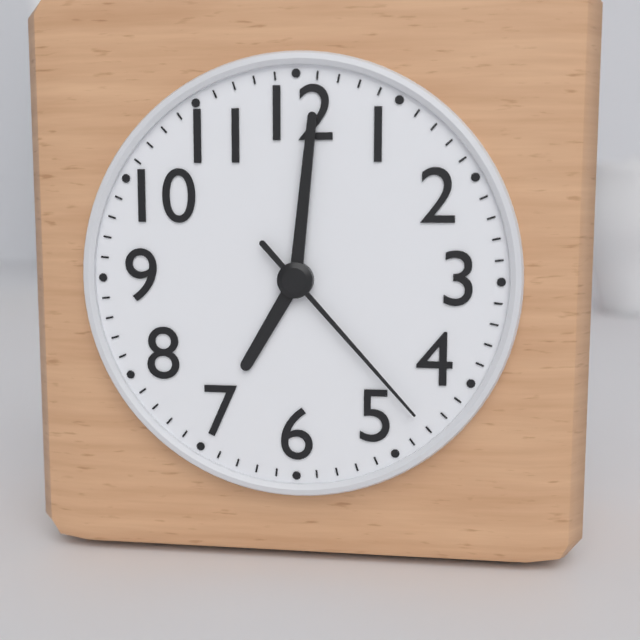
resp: 7,01,23
